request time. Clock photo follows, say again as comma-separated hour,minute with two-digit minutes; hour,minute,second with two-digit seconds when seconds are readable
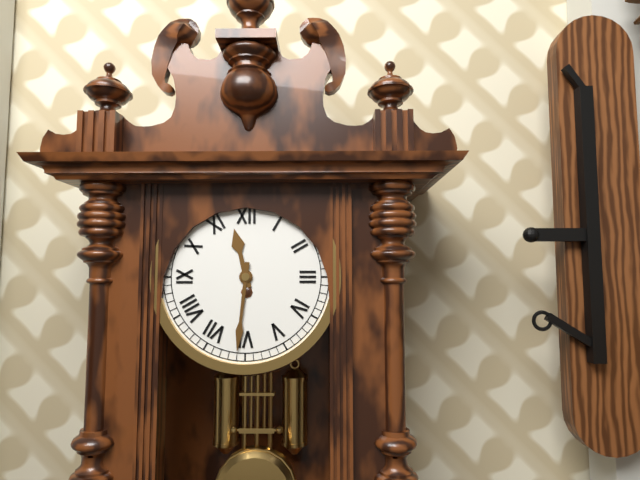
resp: 11,31
